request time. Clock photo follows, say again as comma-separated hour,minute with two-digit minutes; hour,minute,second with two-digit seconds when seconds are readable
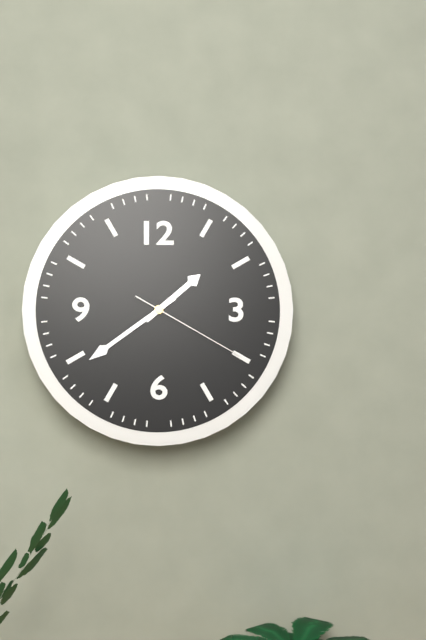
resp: 1,39,20
